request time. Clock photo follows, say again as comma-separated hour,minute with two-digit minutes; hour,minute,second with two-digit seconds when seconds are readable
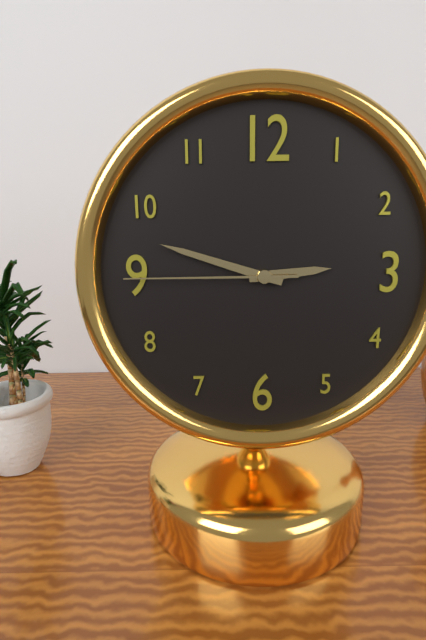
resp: 2,48,45
